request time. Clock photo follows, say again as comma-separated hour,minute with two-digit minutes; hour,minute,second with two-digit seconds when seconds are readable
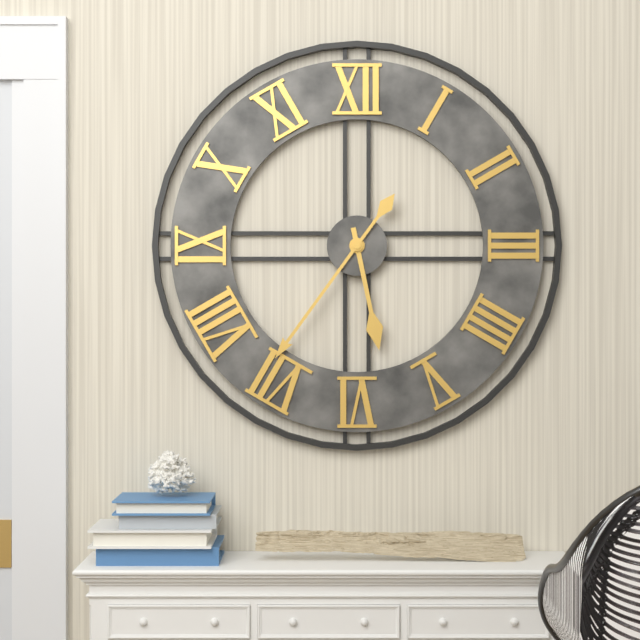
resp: 5,36
